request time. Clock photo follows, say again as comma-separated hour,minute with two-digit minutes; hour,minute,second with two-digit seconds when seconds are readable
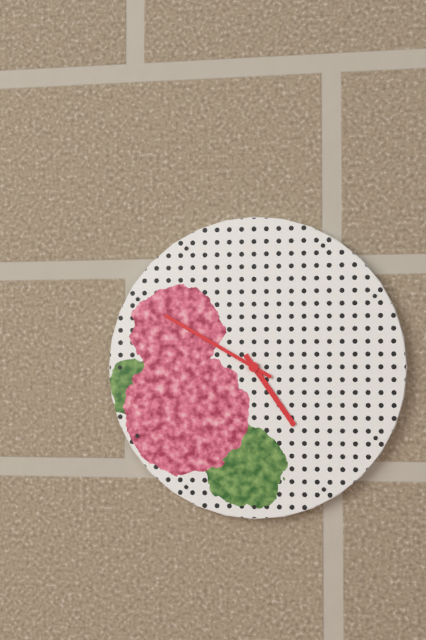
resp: 4,50
